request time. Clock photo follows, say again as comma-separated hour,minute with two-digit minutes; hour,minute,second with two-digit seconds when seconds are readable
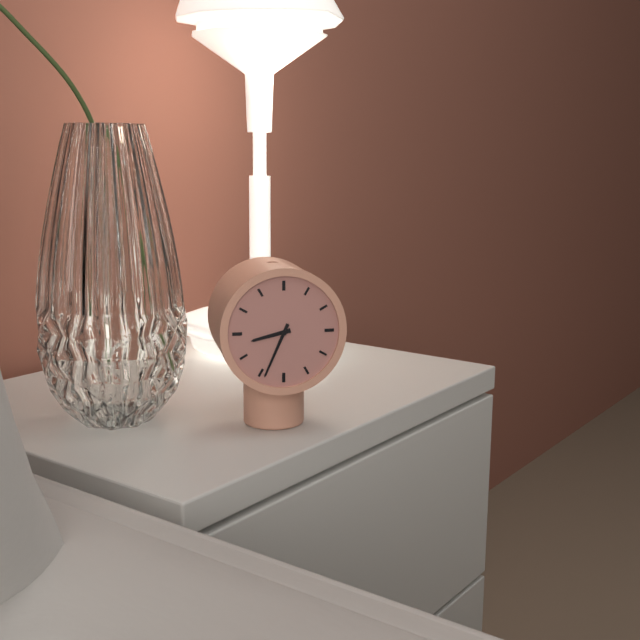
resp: 8,34
